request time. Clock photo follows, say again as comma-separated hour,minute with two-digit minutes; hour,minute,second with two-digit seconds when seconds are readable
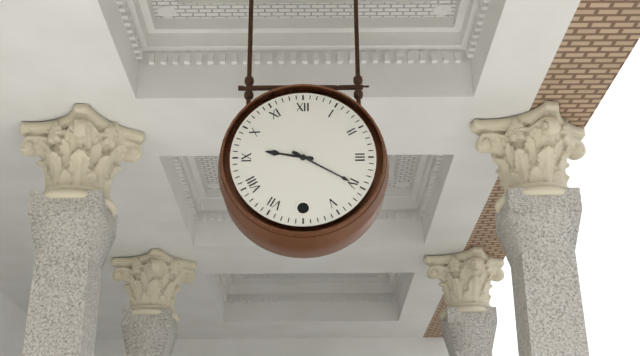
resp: 9,20
